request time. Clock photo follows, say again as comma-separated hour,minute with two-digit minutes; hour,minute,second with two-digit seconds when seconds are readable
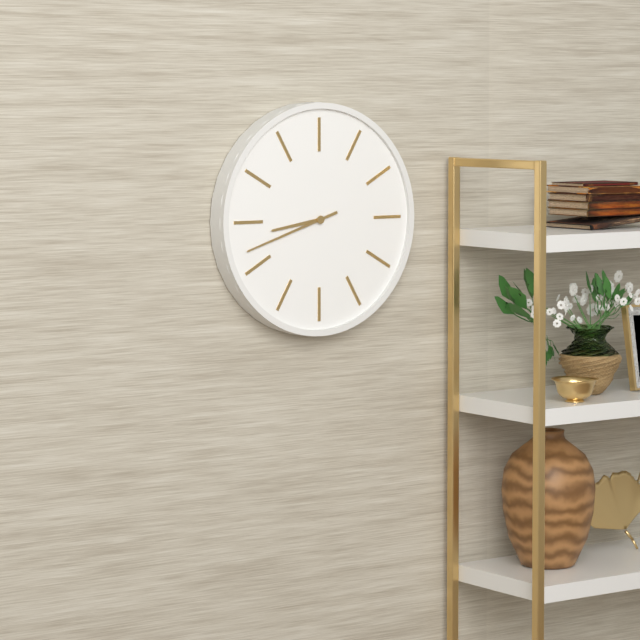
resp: 8,42
